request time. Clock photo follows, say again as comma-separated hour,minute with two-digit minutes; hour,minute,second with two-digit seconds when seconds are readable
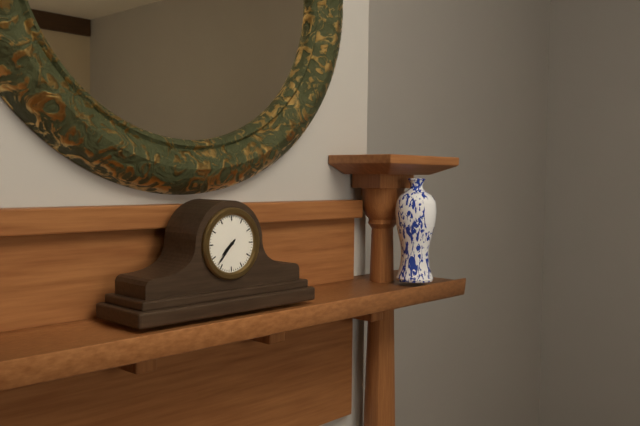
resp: 7,37
